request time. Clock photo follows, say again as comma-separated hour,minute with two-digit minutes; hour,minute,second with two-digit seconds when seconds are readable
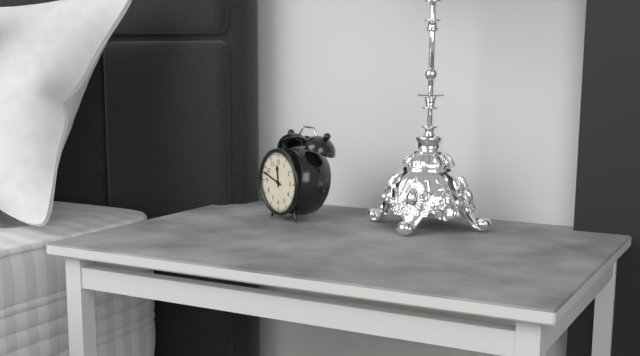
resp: 11,48
